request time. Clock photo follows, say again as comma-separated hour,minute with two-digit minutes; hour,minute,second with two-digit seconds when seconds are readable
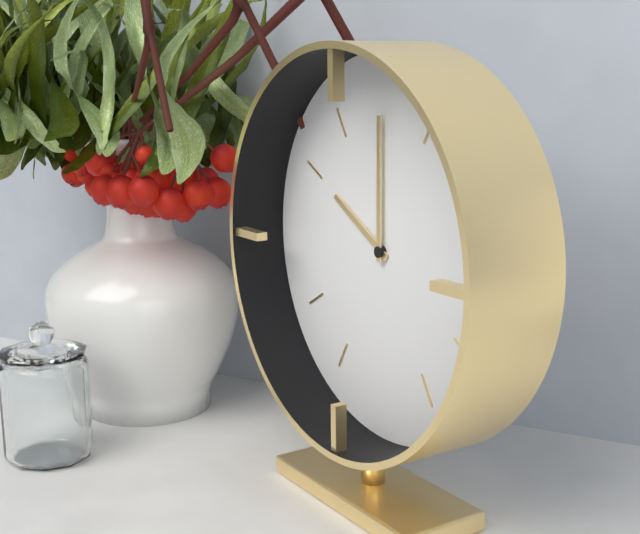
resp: 10,00
